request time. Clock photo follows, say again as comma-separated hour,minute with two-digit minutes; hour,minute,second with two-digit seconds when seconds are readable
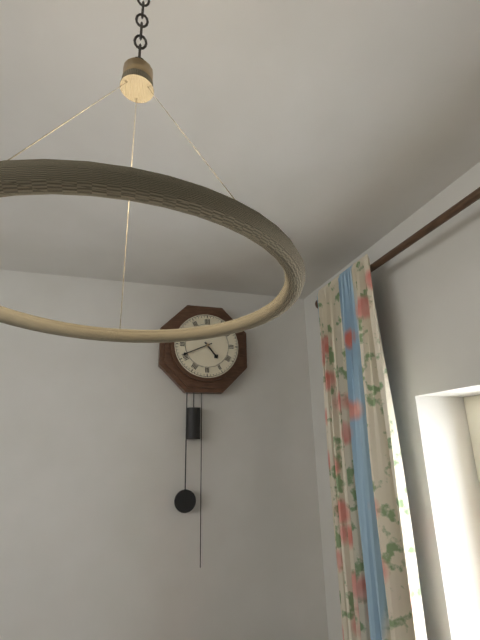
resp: 4,41
